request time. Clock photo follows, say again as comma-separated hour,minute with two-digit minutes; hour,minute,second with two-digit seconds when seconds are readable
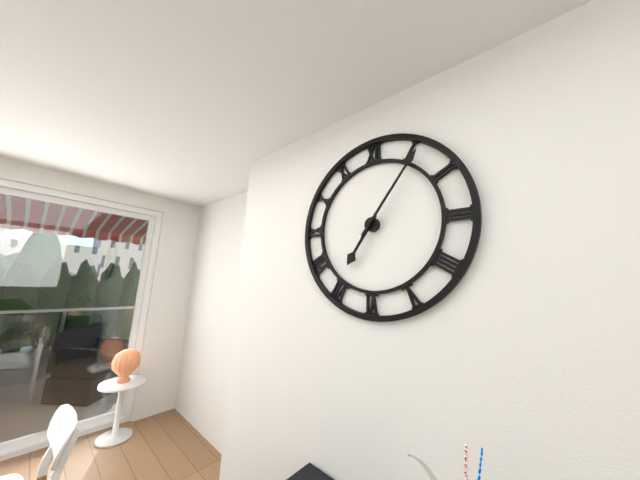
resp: 7,06
